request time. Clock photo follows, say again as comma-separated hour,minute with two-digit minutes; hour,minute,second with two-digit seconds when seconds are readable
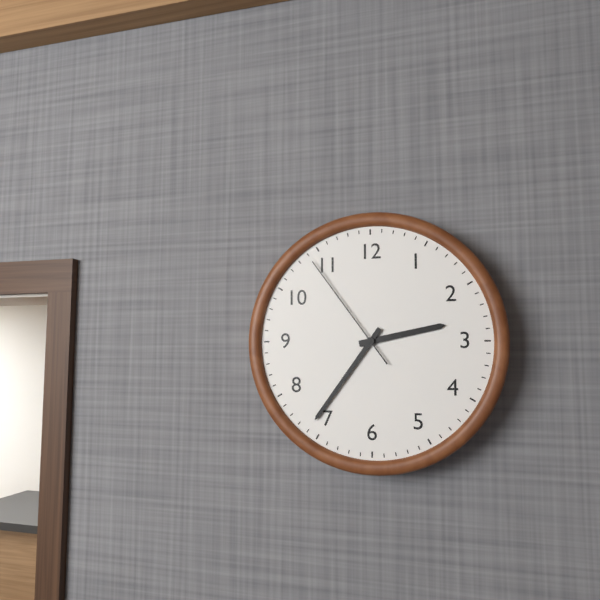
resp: 2,36,54
